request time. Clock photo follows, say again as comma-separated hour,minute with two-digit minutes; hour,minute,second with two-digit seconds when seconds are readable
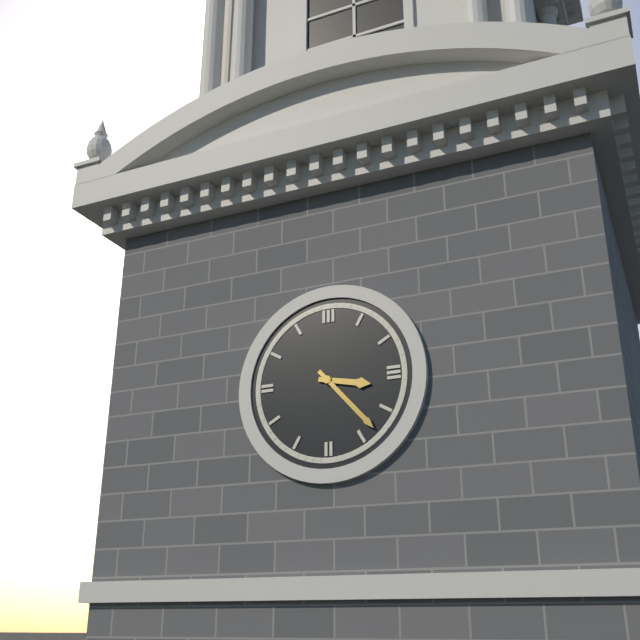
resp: 3,23
